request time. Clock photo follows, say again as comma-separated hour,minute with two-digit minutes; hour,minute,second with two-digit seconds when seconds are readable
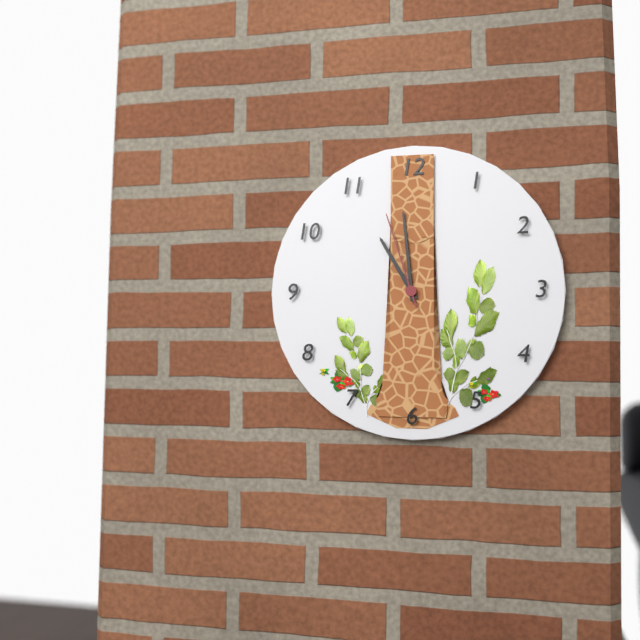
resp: 10,59,57
